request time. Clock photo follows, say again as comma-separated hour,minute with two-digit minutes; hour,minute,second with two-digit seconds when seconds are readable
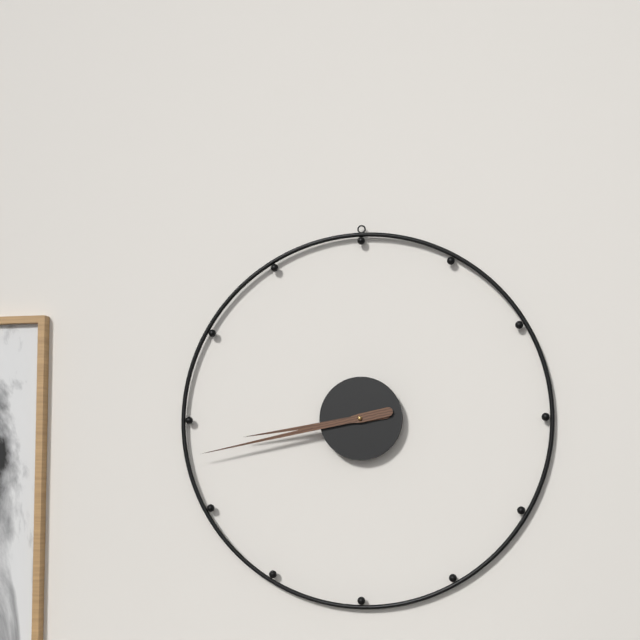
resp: 8,43
